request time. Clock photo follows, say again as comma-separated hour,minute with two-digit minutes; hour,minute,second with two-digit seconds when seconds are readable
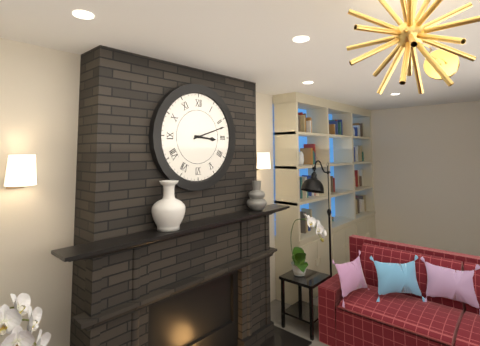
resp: 3,12
